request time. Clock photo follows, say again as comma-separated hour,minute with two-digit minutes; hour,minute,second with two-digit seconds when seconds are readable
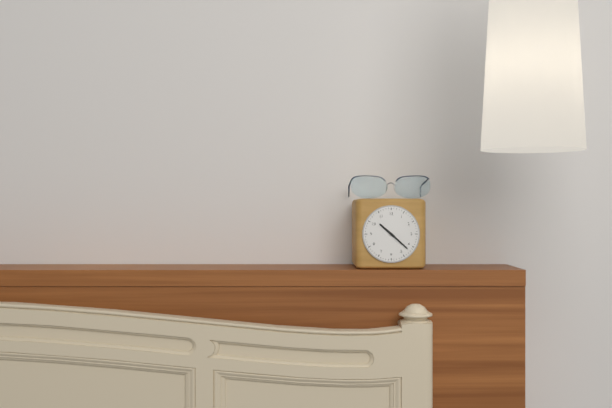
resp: 10,22
